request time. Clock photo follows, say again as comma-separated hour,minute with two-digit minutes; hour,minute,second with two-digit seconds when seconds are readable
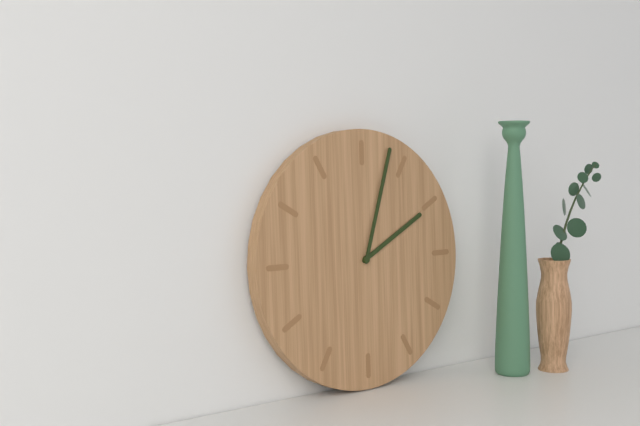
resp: 2,03
